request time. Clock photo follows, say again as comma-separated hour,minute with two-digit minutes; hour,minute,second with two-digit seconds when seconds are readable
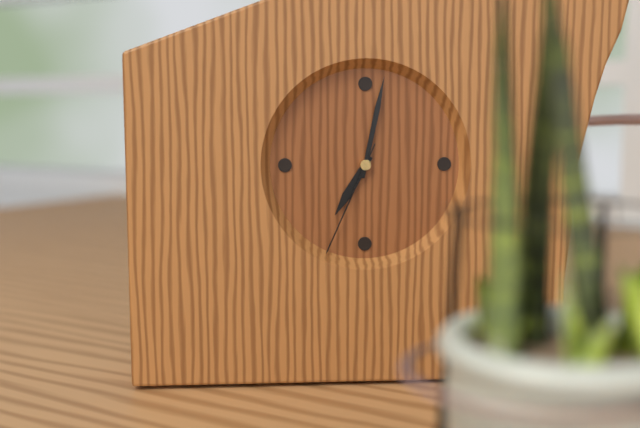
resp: 7,02,34
